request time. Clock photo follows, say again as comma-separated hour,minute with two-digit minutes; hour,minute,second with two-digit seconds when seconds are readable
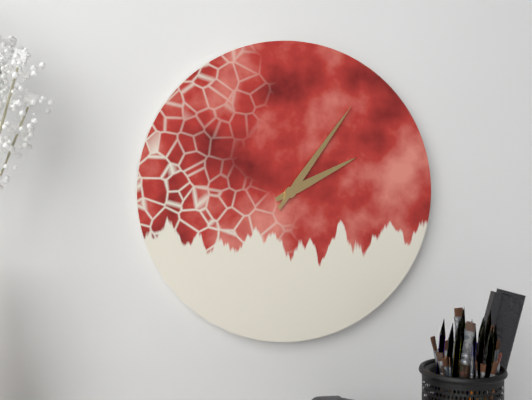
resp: 2,06
